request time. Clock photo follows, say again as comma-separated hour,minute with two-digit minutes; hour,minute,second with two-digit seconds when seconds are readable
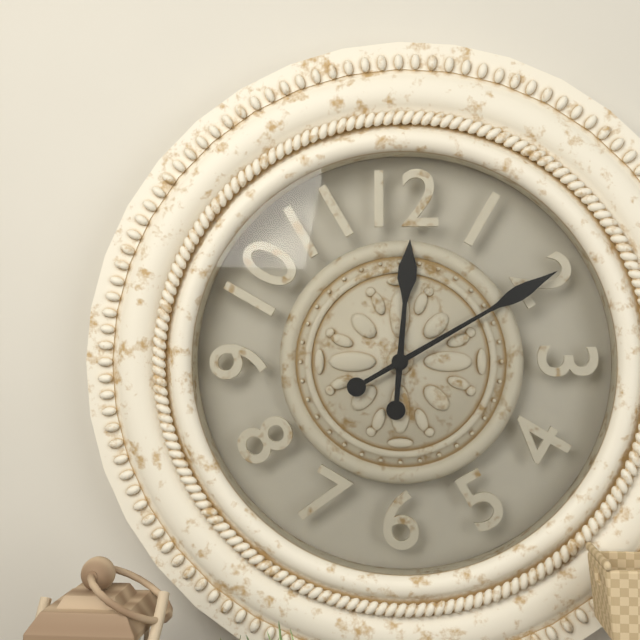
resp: 12,10
